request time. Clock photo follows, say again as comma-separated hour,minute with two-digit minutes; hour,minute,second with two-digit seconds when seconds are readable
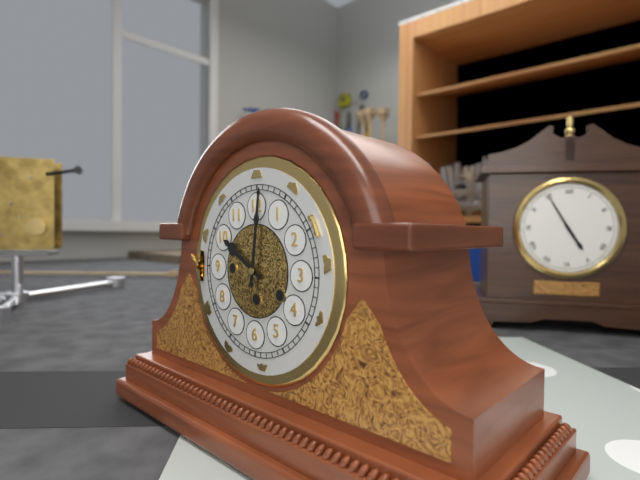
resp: 10,01
